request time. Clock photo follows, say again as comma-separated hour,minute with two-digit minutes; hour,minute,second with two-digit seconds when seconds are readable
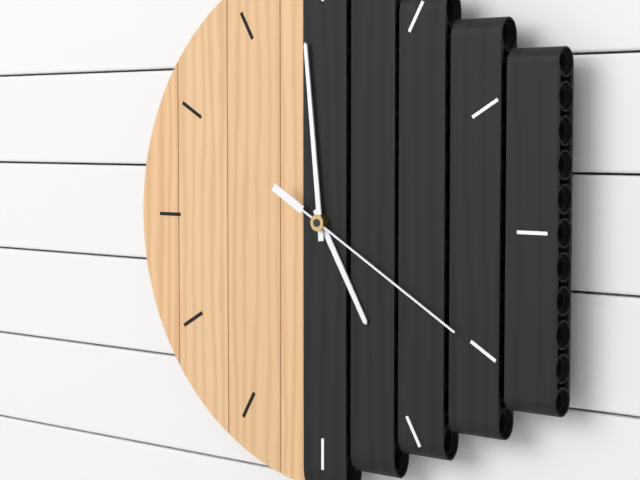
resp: 4,59,20
